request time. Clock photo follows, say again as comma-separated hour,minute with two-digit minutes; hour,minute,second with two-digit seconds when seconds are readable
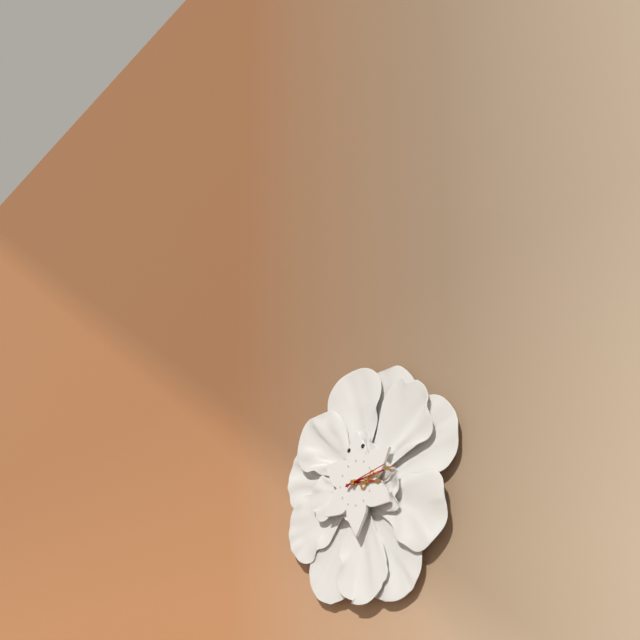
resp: 3,14
